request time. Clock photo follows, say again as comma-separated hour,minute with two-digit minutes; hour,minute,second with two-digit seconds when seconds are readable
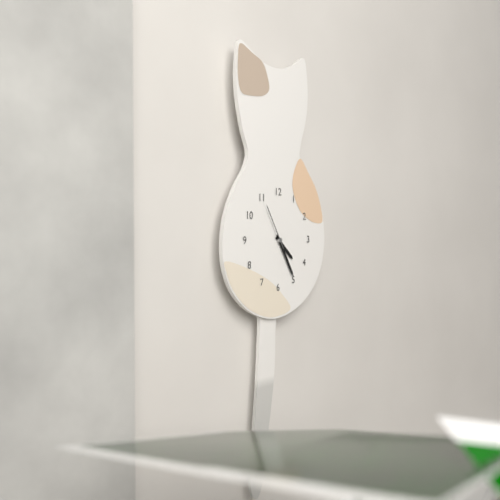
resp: 4,25
